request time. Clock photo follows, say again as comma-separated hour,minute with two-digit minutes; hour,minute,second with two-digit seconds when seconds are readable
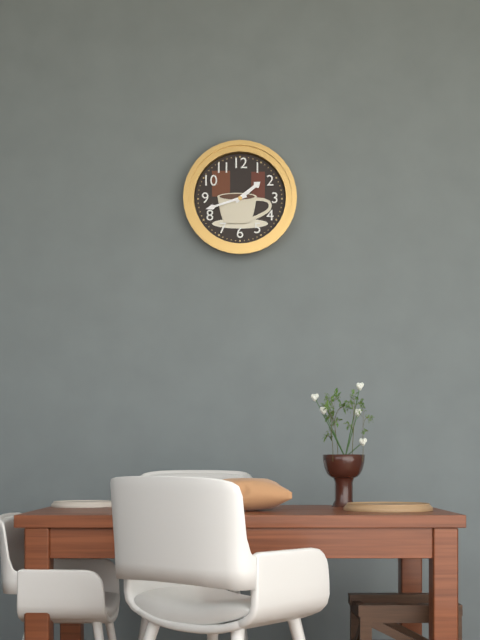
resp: 1,42
